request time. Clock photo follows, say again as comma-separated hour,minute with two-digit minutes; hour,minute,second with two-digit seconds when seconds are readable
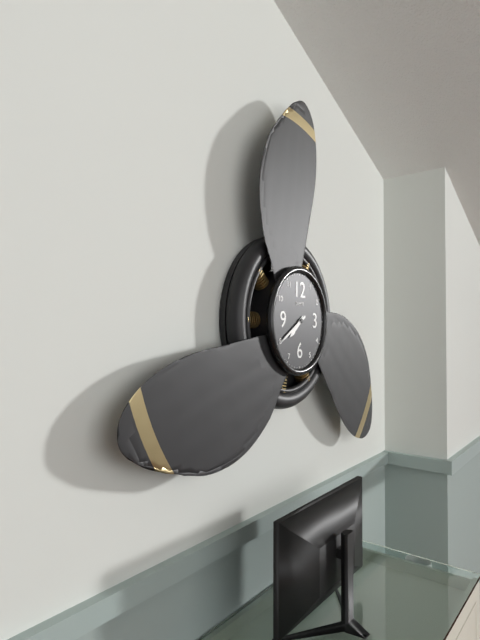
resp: 7,40
